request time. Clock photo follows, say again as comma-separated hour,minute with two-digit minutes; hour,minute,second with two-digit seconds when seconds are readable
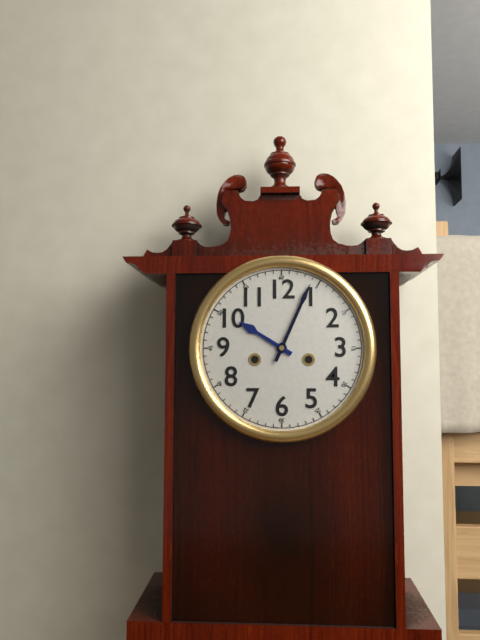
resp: 10,04
